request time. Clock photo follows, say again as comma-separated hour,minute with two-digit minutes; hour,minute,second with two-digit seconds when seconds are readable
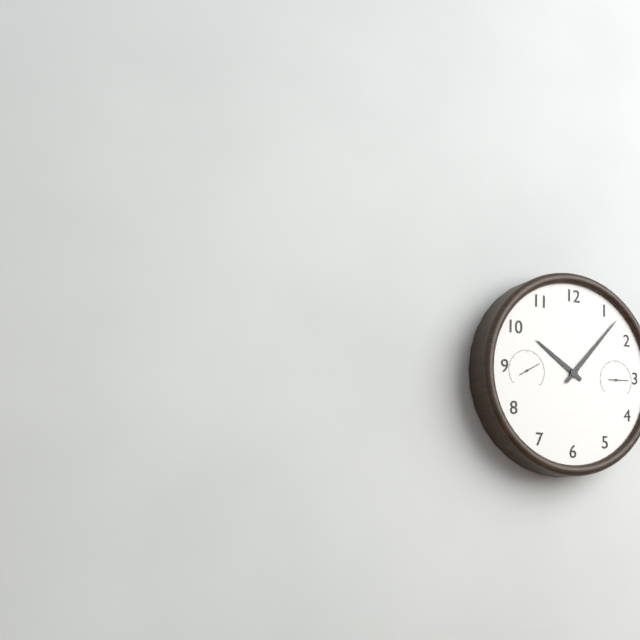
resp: 10,07
